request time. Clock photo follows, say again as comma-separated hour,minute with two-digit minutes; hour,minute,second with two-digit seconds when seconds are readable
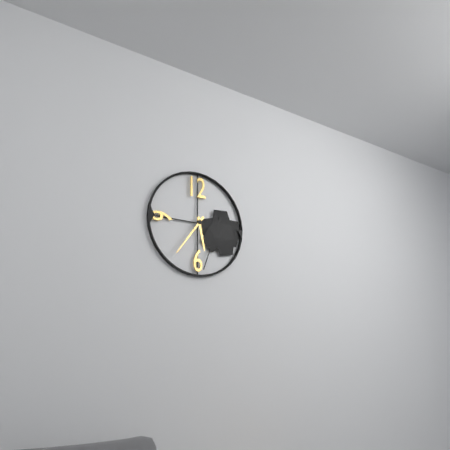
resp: 5,36
